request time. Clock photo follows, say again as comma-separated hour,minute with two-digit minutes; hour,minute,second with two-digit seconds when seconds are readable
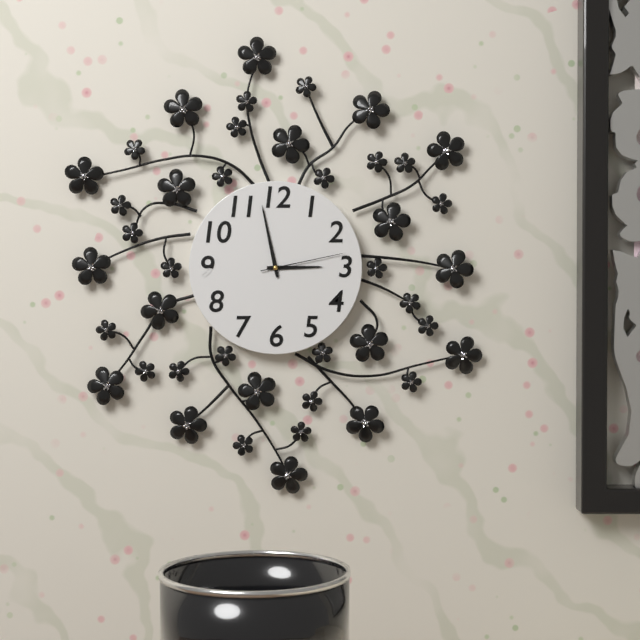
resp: 2,58,13
